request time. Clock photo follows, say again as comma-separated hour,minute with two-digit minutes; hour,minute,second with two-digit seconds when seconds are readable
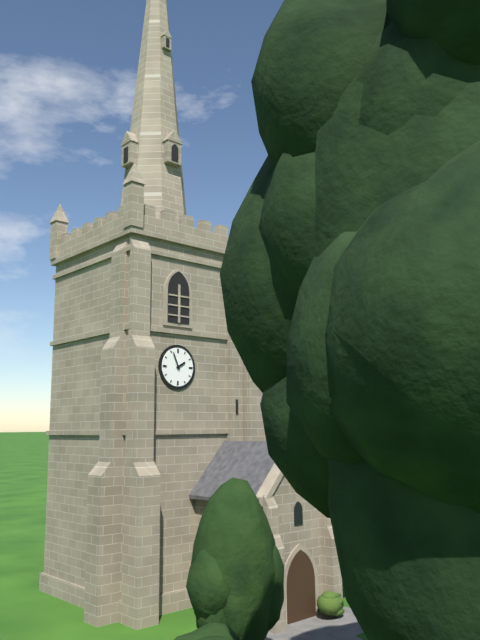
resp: 1,56
